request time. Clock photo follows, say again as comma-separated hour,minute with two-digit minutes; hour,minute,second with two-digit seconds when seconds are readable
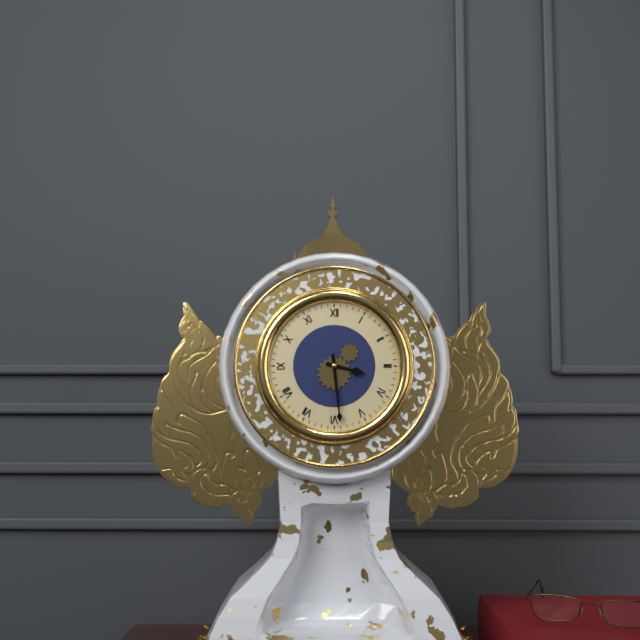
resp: 3,29
